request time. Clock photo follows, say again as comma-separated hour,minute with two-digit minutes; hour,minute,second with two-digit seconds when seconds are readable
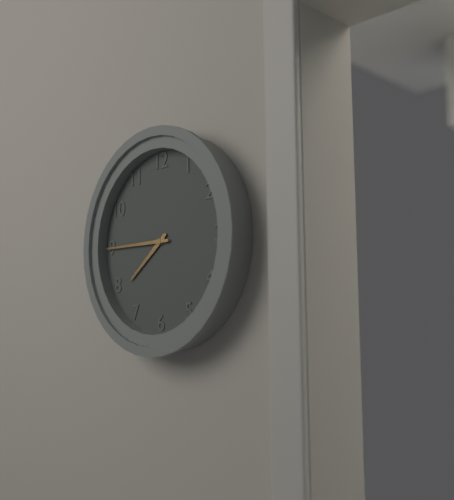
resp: 7,45
